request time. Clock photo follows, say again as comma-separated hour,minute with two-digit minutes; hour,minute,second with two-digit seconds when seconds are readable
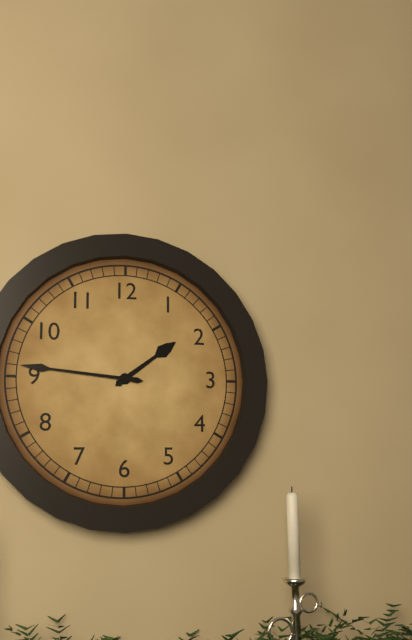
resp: 1,46
